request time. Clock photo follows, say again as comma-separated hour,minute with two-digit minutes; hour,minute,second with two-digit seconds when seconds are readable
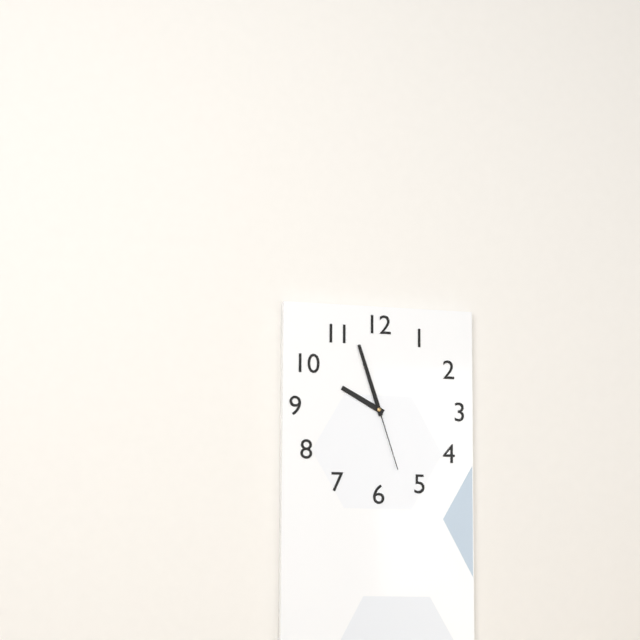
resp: 9,57,27
